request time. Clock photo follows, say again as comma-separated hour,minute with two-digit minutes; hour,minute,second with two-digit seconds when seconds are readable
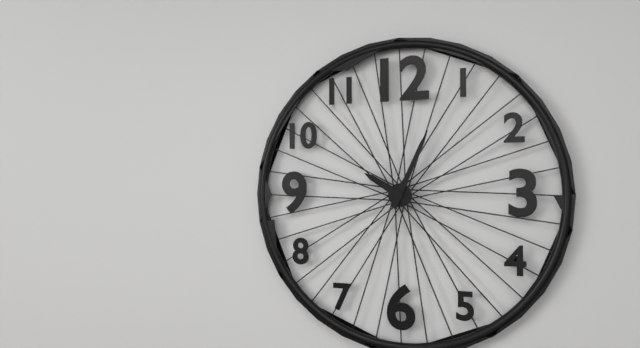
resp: 10,04
